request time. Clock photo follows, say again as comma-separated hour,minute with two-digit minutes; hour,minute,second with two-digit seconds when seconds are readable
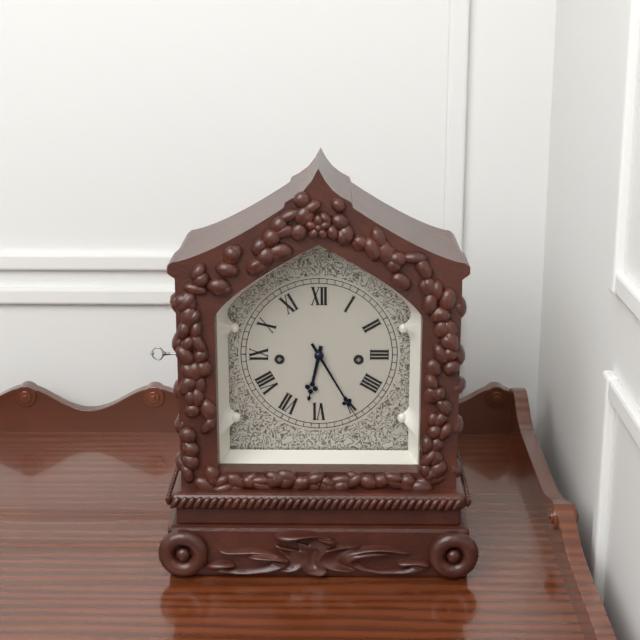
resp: 6,25
